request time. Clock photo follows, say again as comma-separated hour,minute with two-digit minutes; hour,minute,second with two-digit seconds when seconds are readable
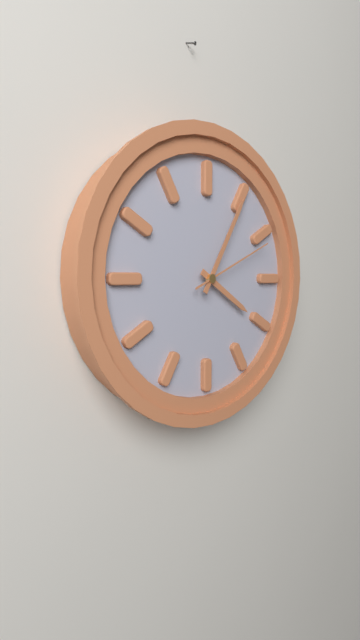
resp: 4,05,11
